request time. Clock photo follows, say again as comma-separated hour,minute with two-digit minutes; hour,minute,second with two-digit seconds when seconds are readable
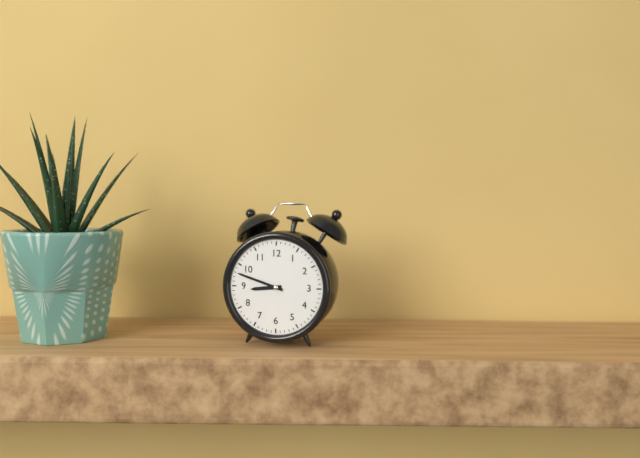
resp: 8,48
